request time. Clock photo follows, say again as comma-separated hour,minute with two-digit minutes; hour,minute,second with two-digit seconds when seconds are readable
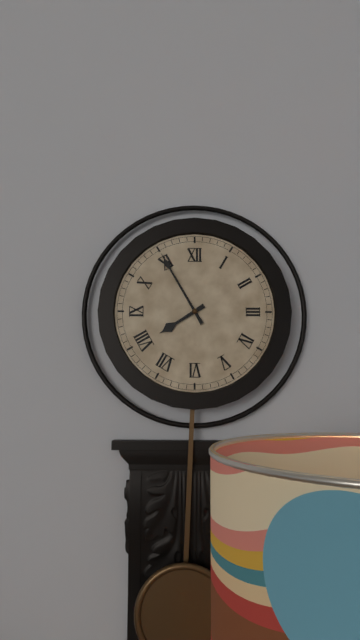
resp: 7,55
